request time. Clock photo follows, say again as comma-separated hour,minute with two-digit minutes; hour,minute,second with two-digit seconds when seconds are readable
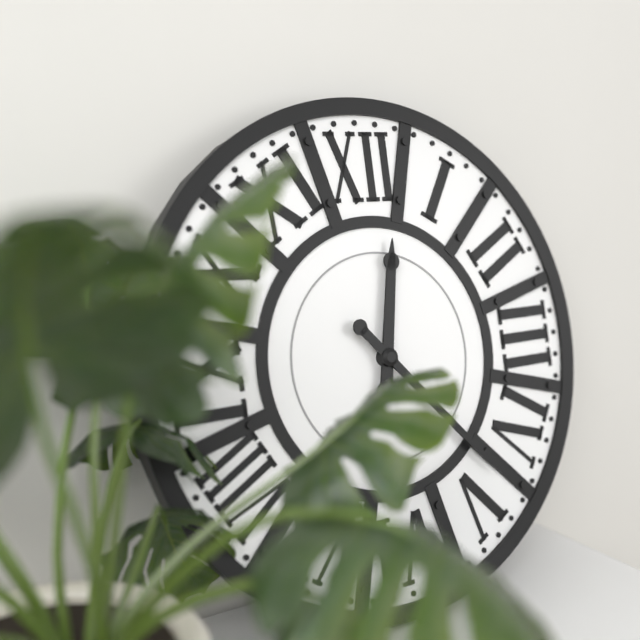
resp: 12,23
